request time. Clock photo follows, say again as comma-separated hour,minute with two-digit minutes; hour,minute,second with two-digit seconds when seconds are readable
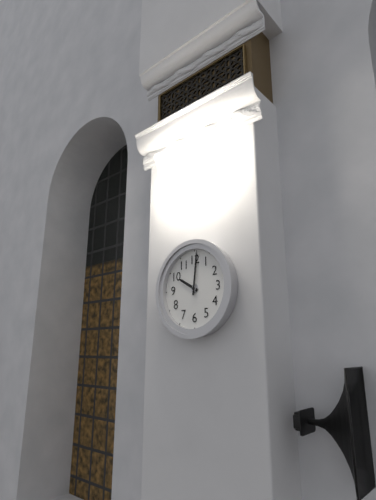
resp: 10,01
